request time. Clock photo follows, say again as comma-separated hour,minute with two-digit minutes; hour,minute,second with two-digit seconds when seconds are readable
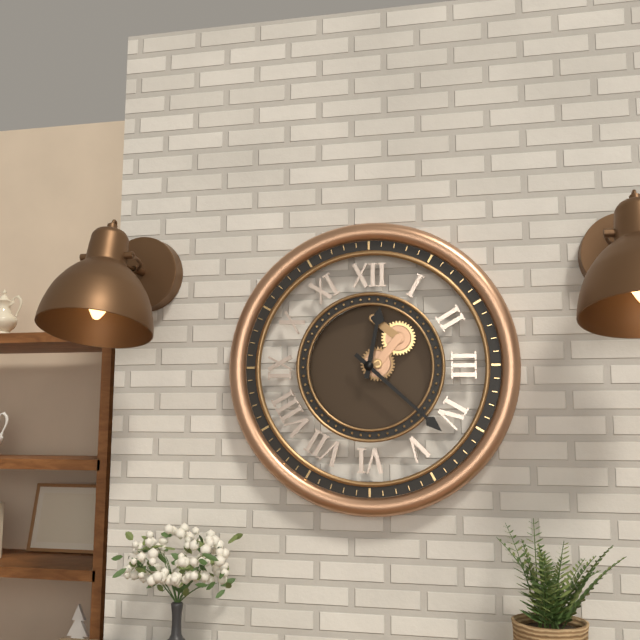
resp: 12,22
